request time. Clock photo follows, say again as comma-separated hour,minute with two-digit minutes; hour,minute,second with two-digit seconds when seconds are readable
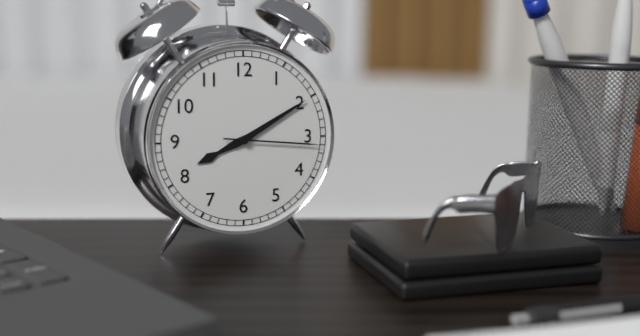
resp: 8,10,16
